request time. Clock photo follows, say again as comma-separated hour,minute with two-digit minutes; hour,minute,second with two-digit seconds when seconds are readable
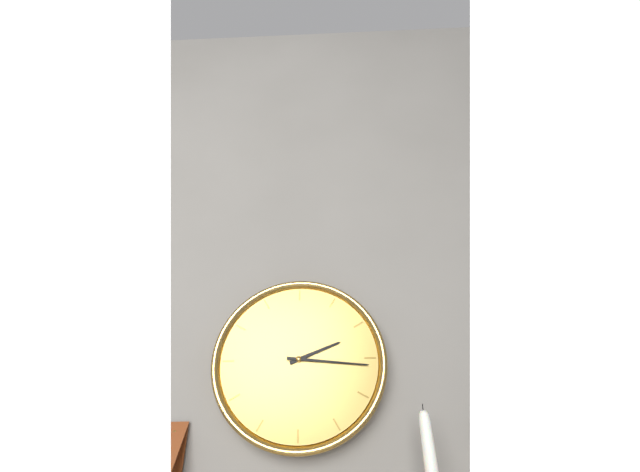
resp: 2,16
